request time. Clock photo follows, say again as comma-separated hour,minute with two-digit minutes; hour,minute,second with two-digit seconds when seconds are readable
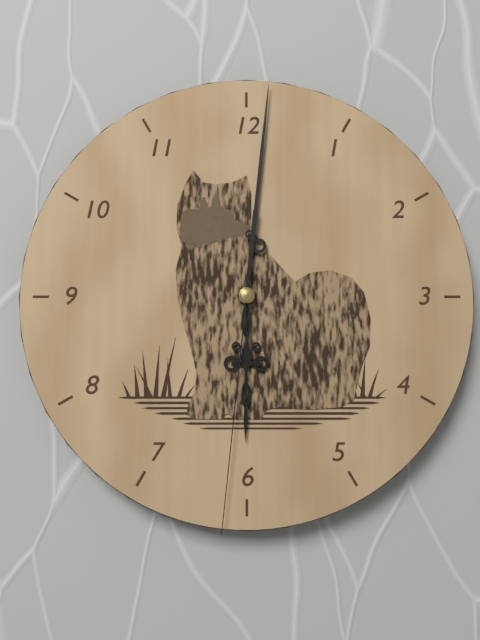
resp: 6,01,31
